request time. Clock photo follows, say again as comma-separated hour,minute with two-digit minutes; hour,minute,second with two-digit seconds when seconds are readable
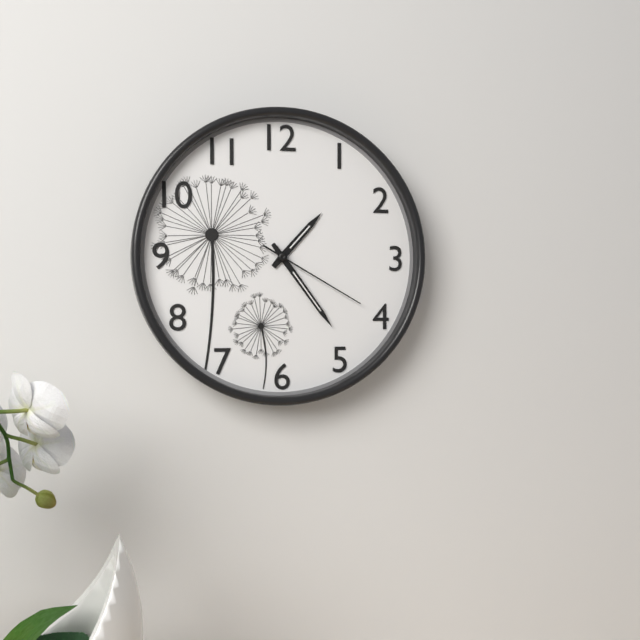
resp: 1,24,20
